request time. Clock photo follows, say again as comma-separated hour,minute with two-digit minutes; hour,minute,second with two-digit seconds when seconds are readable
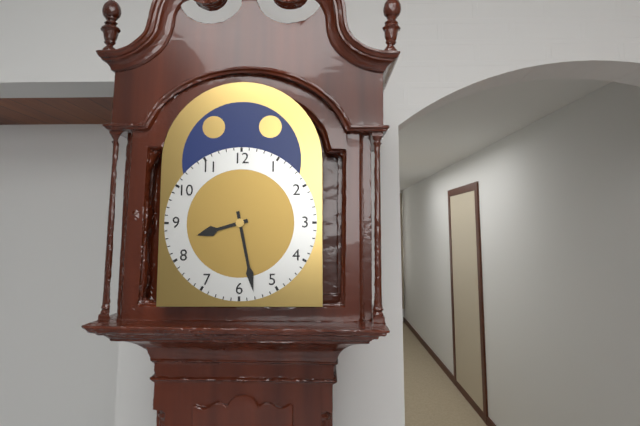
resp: 8,28
